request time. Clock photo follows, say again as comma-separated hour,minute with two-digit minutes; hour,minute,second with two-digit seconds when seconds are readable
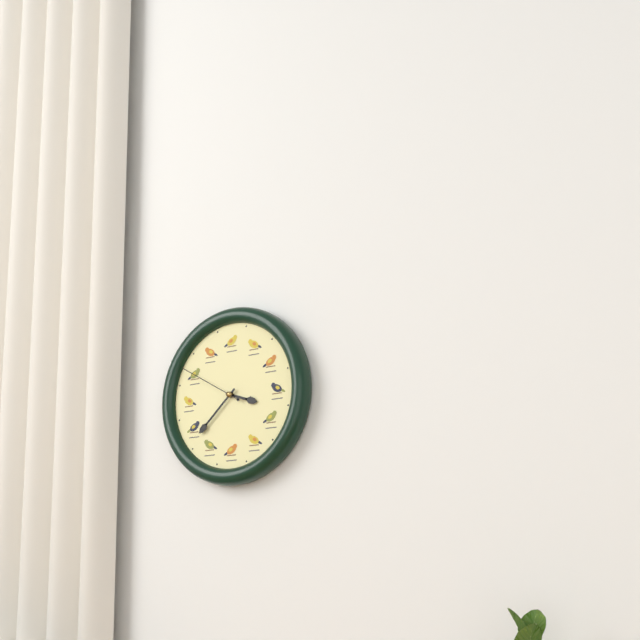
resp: 3,38,50
